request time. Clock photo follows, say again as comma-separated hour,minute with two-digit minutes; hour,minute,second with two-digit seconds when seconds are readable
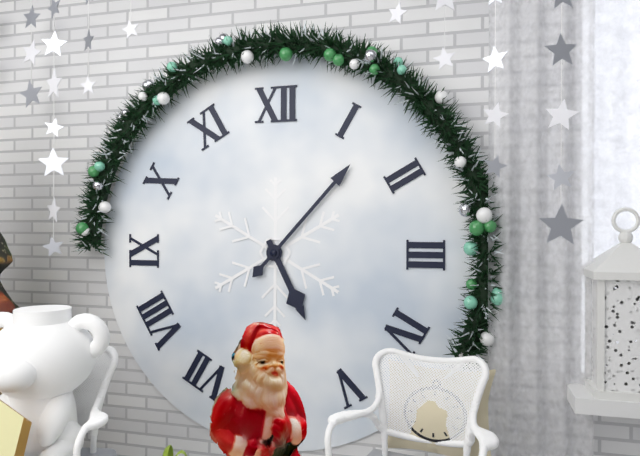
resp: 5,07
